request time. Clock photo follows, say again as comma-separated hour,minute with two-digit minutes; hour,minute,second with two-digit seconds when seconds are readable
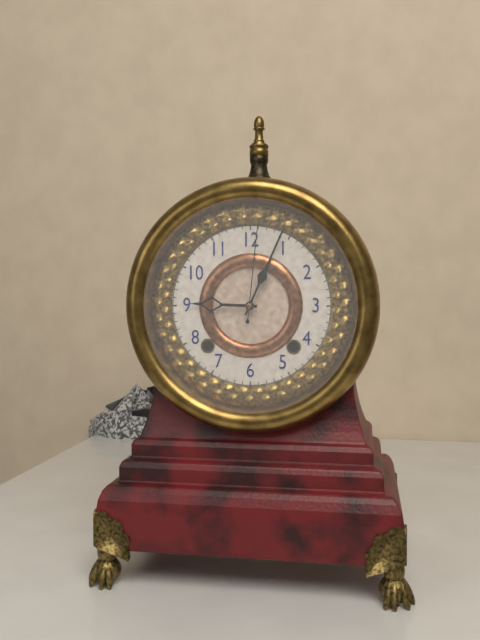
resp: 9,04,01
